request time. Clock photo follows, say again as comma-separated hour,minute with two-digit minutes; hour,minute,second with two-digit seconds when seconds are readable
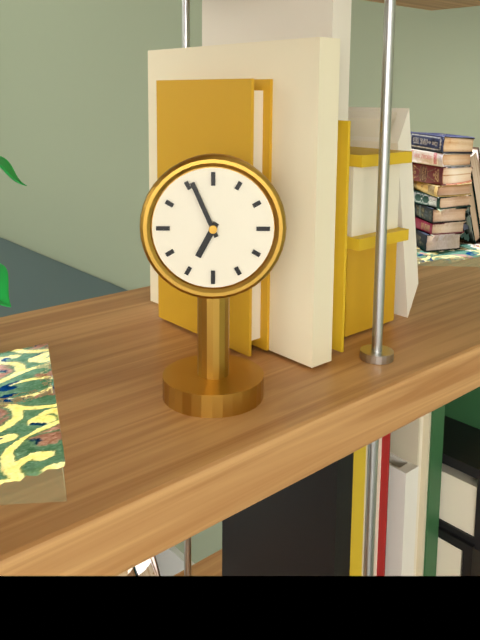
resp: 6,56
